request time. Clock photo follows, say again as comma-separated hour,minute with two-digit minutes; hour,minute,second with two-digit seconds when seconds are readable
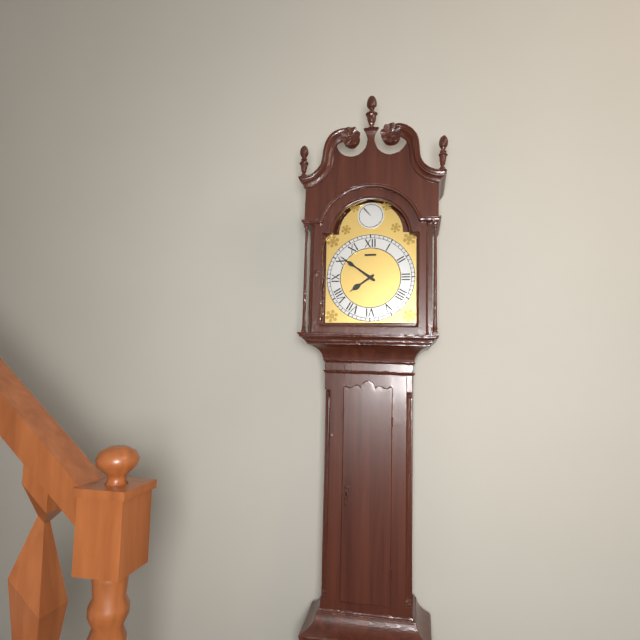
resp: 7,51
